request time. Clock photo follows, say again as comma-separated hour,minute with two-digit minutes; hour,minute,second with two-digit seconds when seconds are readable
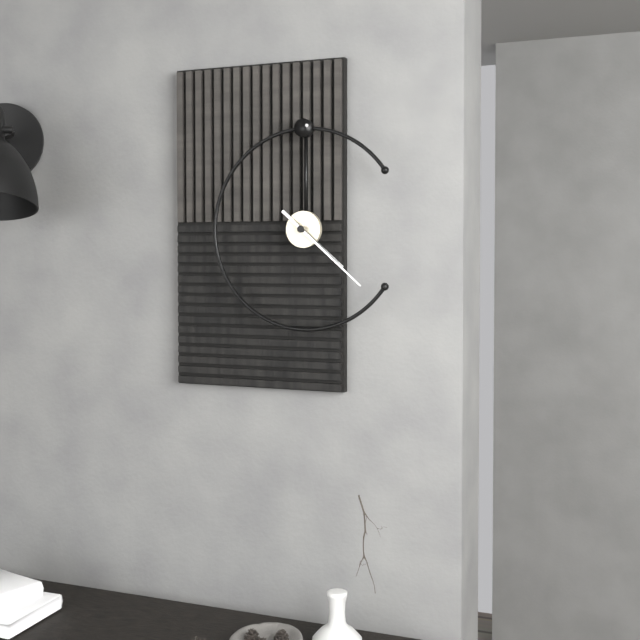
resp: 4,22
